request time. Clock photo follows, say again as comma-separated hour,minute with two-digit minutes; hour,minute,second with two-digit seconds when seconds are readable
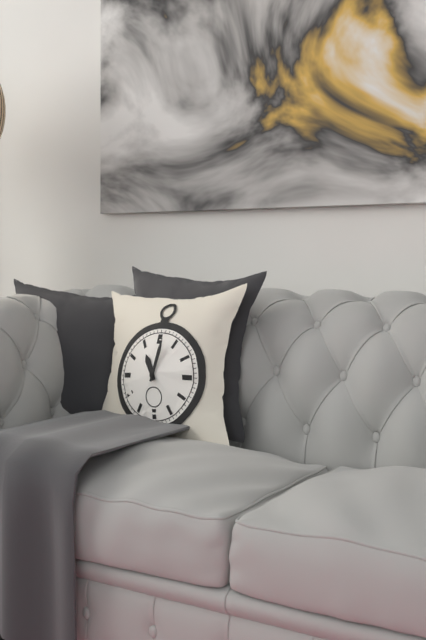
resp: 11,02
